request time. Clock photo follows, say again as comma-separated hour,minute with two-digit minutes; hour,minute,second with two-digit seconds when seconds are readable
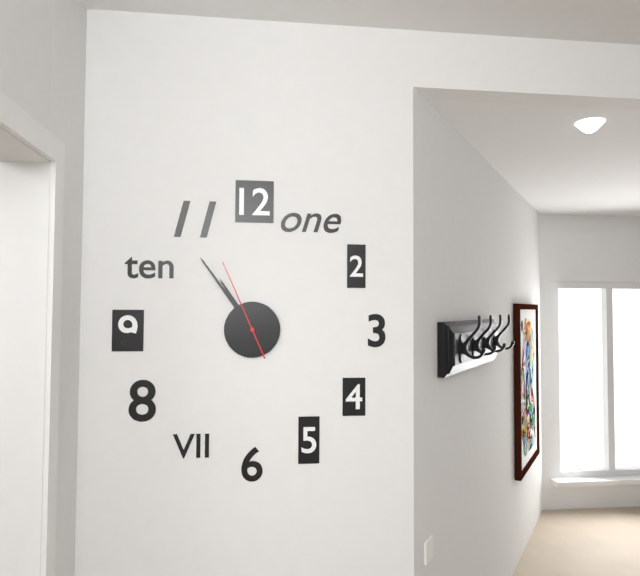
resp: 10,54,56
